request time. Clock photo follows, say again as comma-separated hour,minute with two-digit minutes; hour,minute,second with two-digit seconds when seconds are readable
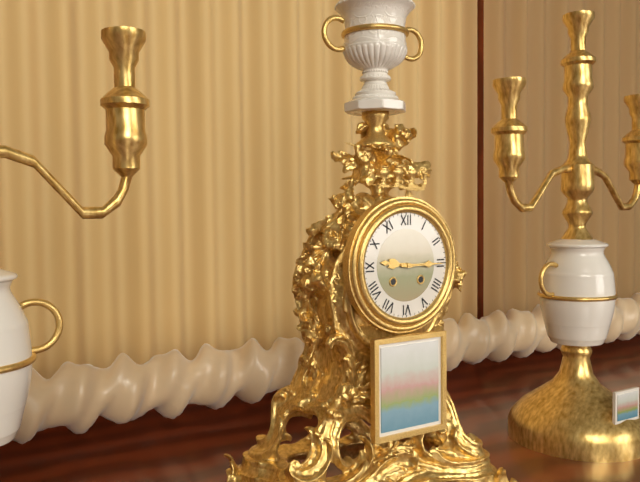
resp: 9,15
